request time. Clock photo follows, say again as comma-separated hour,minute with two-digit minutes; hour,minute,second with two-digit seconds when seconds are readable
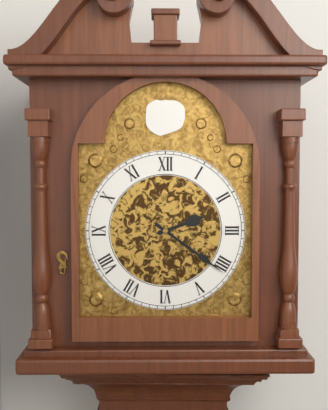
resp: 2,21
